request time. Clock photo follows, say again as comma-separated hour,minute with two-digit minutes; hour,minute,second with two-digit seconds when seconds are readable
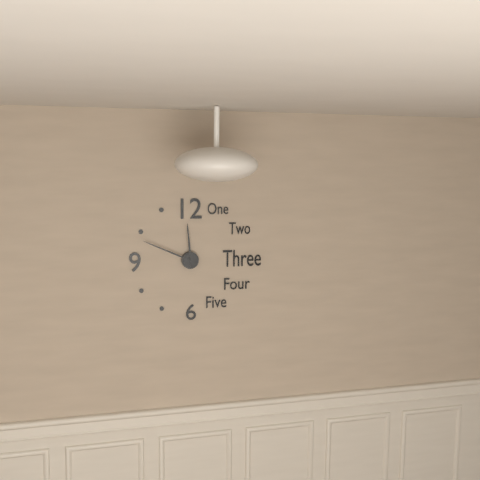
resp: 11,49
